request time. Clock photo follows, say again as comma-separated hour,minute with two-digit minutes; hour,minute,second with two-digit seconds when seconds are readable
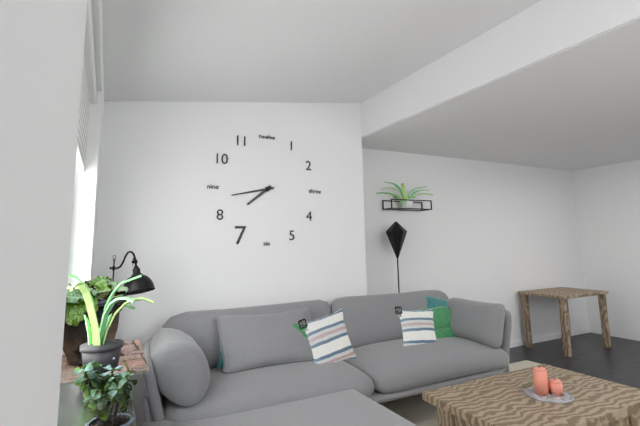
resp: 7,43
